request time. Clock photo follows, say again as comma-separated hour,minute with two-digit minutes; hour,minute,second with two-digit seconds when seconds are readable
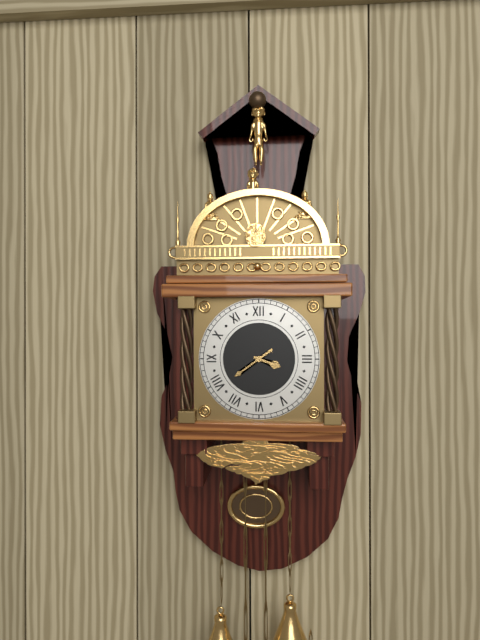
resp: 3,39
